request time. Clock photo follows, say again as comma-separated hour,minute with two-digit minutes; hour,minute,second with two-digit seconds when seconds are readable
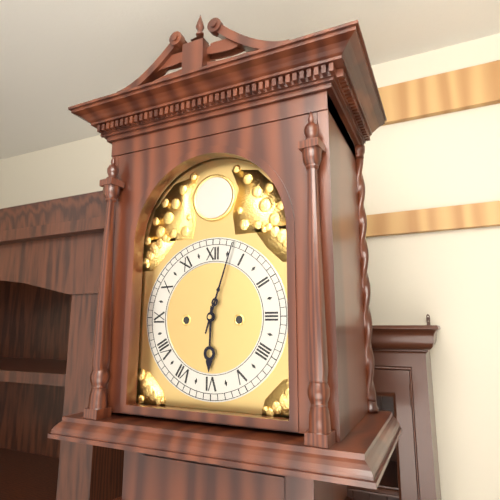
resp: 6,03
